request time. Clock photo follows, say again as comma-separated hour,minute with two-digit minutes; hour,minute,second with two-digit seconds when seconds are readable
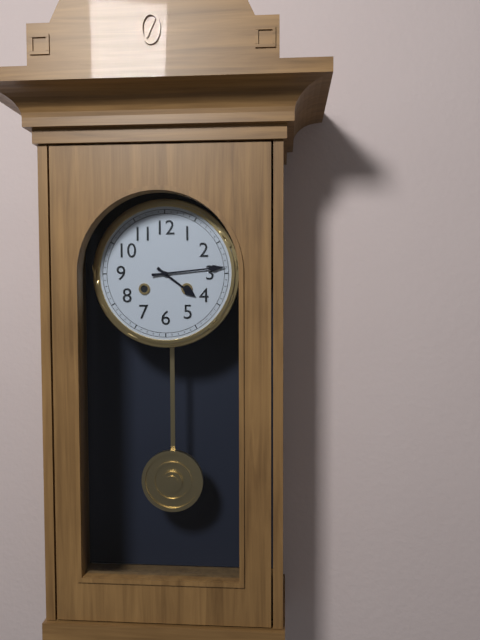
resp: 4,14
